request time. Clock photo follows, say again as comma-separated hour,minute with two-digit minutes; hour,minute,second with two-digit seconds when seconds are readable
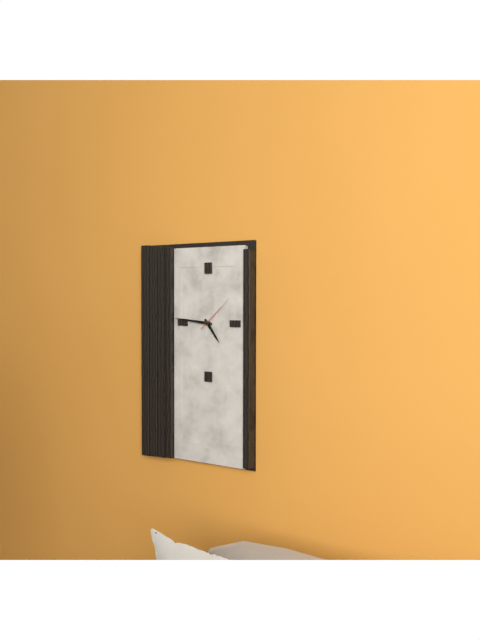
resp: 4,46
